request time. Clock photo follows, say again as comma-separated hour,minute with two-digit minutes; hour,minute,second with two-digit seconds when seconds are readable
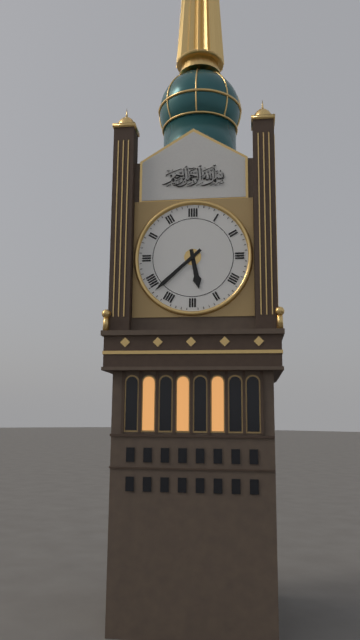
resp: 5,38
